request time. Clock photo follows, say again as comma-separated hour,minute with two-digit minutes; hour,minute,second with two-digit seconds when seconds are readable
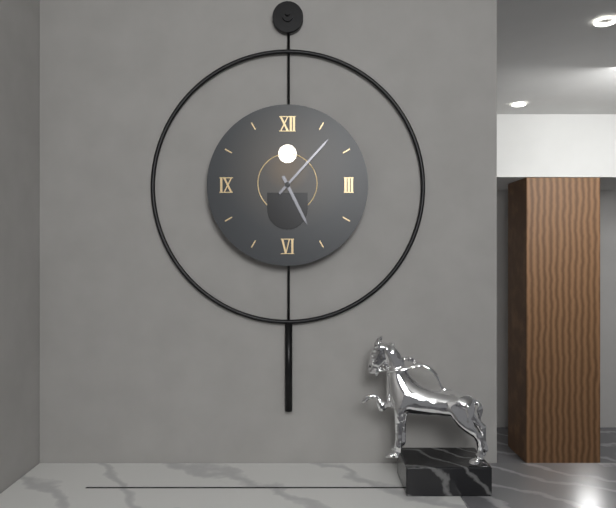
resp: 5,07
